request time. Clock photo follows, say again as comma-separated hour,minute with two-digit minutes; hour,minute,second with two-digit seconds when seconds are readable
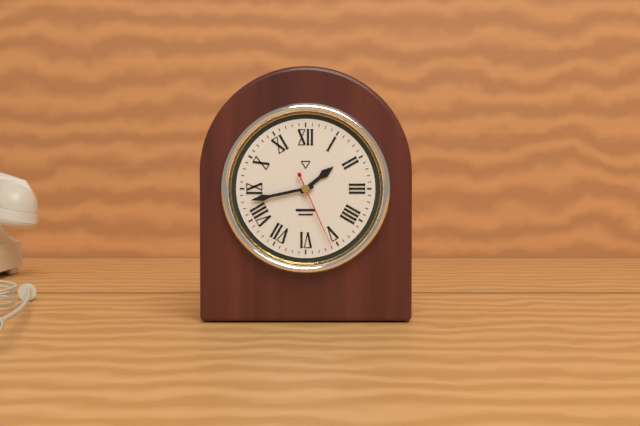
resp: 1,43,26
